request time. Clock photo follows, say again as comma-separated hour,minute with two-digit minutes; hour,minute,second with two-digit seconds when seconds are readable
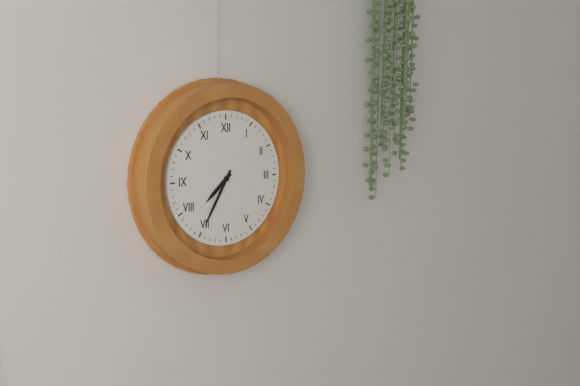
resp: 7,35
